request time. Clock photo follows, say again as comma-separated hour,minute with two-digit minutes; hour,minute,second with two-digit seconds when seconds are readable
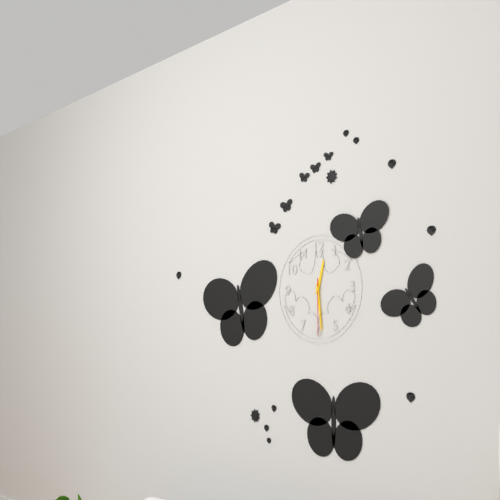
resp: 12,29,30
